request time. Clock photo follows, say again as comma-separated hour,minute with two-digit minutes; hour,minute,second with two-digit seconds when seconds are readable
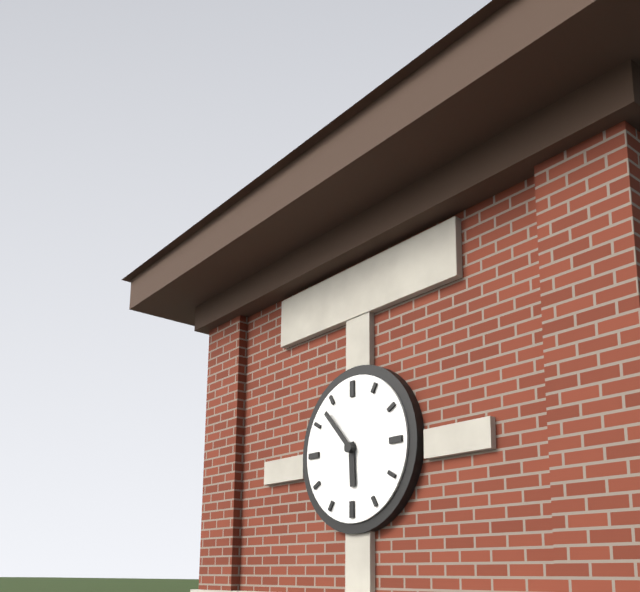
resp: 5,53
